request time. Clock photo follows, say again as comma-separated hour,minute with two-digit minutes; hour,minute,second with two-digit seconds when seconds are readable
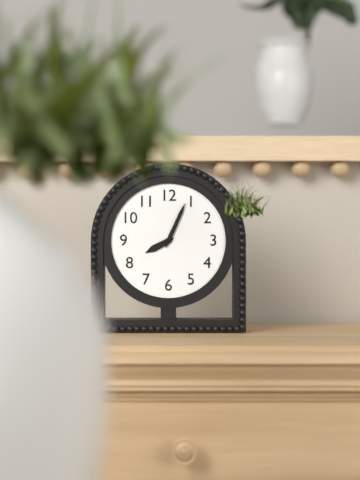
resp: 8,04
